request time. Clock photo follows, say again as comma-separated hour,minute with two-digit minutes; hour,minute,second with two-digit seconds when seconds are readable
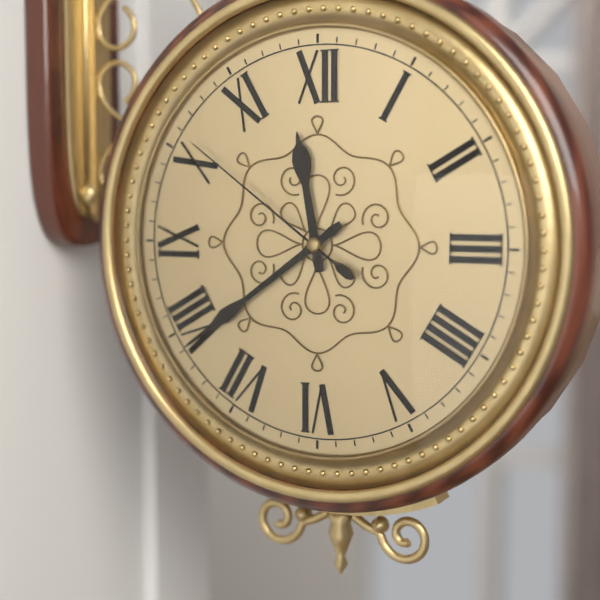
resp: 11,39,51
